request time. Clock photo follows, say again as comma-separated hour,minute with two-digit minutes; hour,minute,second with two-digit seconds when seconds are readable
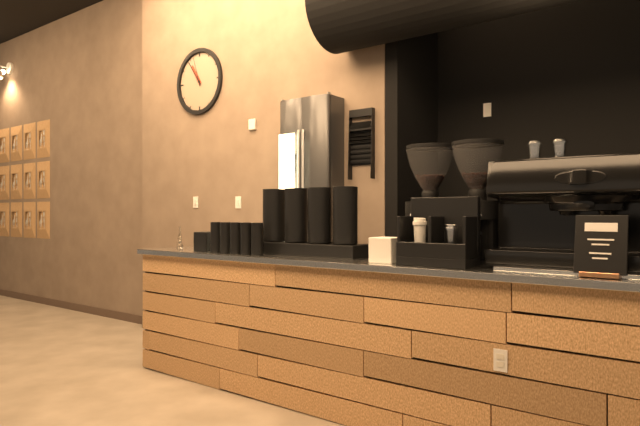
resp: 10,54
